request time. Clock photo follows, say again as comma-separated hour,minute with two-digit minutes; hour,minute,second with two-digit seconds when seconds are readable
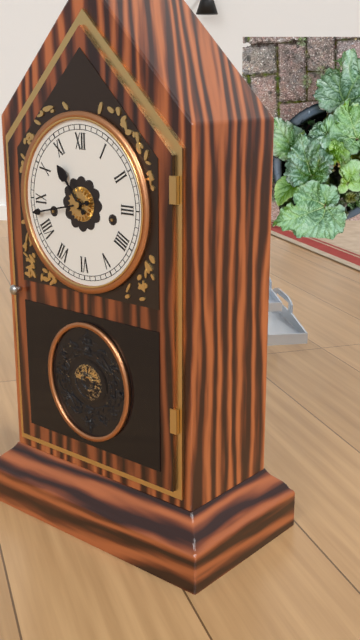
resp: 10,43
